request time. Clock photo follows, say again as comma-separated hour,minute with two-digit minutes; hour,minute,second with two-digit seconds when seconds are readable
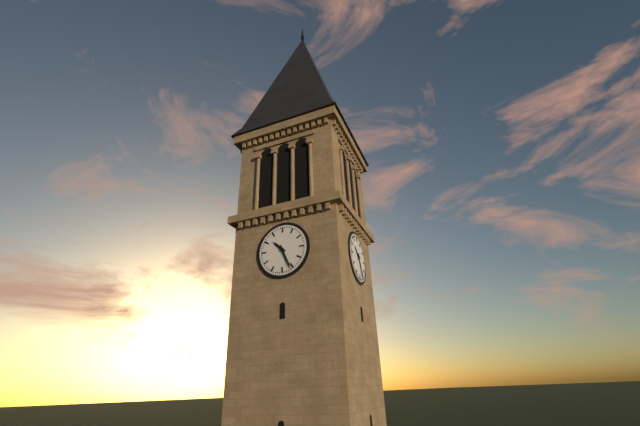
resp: 10,26
